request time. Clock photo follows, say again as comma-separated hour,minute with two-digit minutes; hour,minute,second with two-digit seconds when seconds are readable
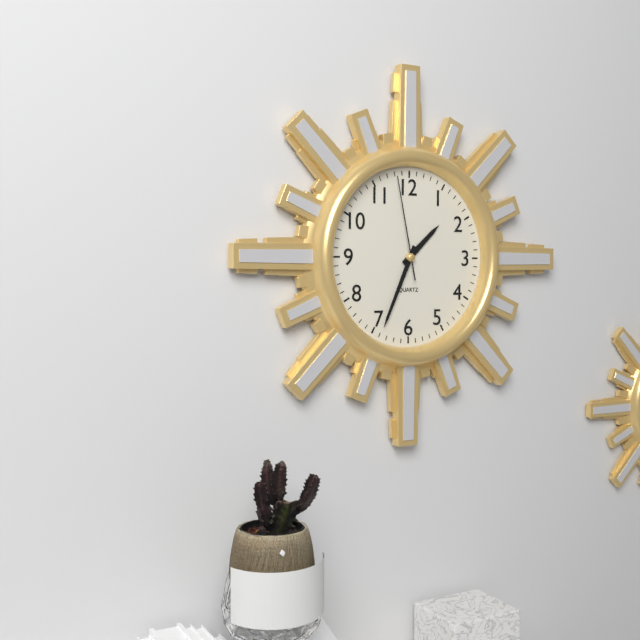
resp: 1,34,58
